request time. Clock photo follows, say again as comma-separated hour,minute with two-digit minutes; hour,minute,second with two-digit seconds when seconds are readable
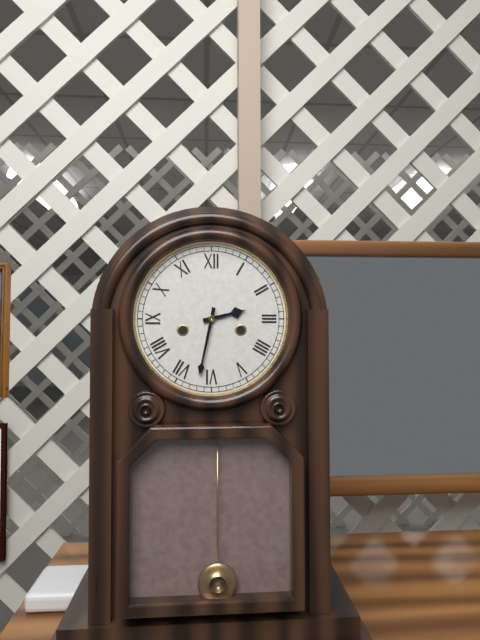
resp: 2,32
